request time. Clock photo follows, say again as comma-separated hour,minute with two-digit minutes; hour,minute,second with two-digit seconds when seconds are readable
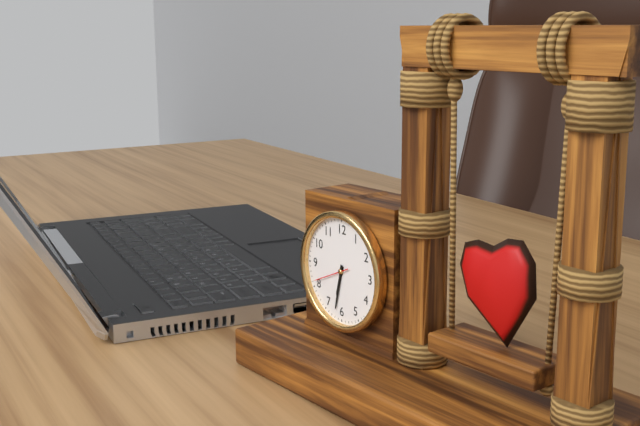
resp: 6,32
